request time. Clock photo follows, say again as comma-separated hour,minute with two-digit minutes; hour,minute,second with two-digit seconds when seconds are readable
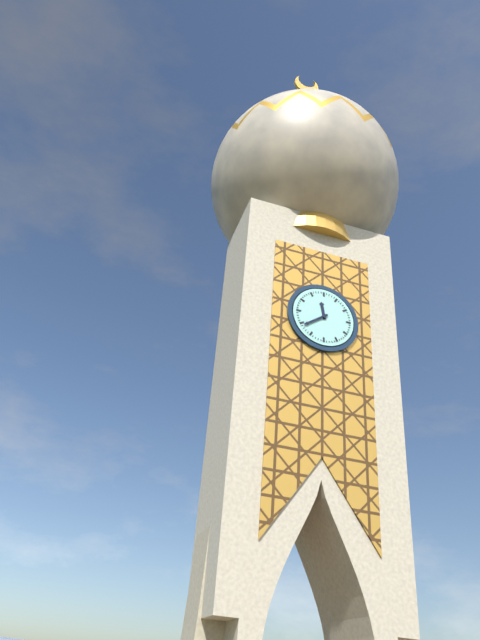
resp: 11,39
